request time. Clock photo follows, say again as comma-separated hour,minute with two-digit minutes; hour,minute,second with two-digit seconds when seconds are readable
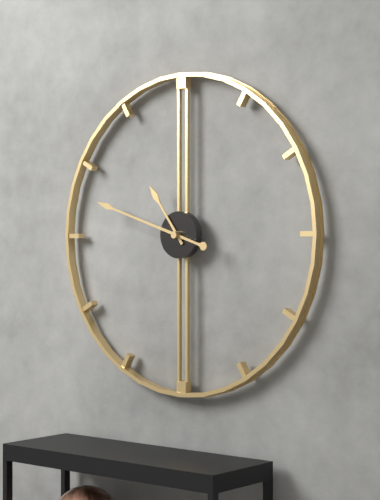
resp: 10,48
